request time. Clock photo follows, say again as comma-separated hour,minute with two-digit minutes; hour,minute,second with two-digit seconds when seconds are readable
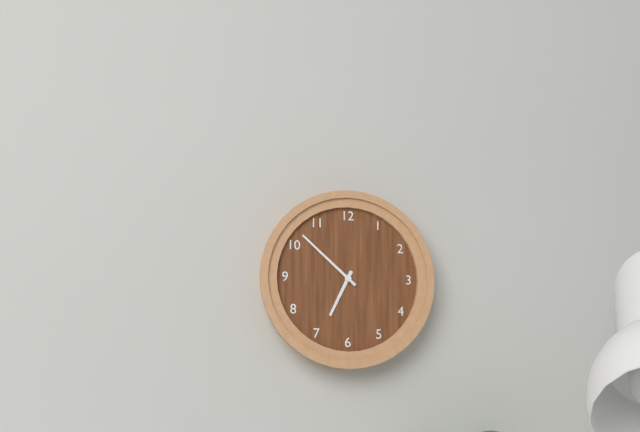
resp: 6,52
